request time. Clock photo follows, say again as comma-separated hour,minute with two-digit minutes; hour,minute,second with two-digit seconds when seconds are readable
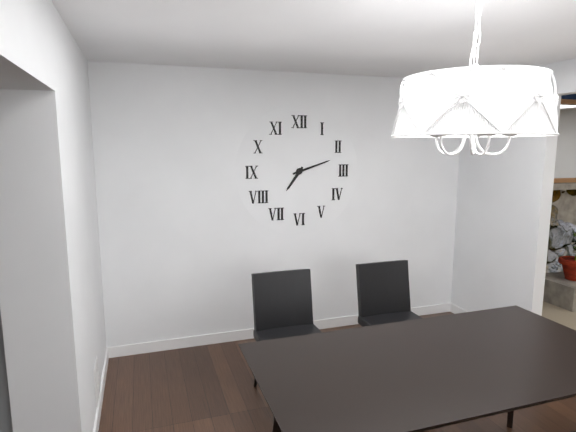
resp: 7,12
